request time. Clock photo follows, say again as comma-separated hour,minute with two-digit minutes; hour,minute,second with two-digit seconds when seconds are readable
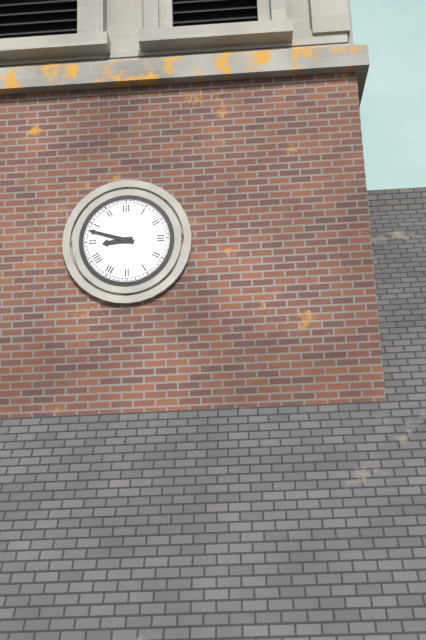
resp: 8,48
